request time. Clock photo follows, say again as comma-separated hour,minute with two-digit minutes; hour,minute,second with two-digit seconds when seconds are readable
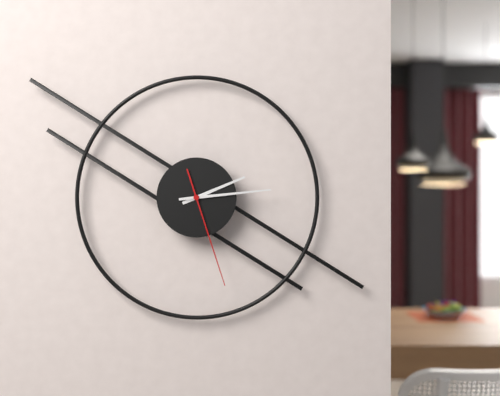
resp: 2,14,27
